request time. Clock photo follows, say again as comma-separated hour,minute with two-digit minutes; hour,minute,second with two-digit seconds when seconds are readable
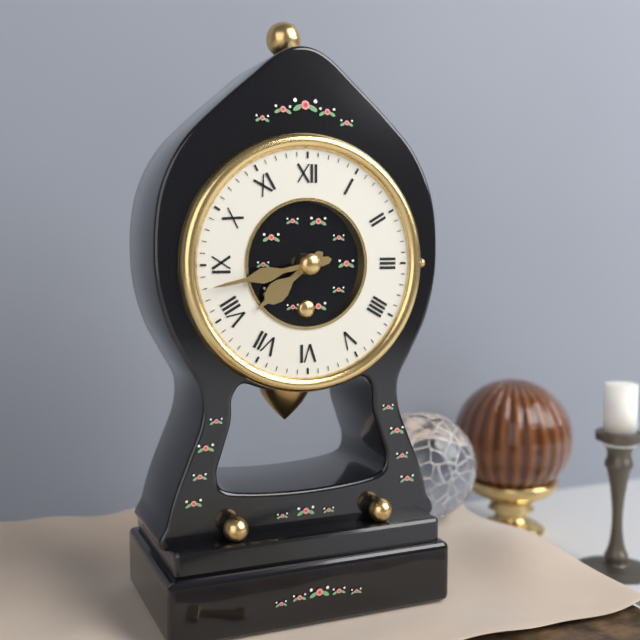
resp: 7,43
